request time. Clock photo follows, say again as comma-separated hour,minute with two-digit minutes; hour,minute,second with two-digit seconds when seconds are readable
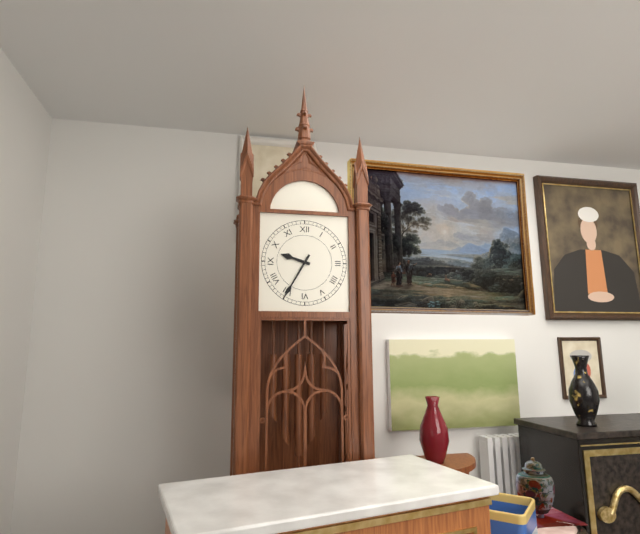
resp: 9,35
